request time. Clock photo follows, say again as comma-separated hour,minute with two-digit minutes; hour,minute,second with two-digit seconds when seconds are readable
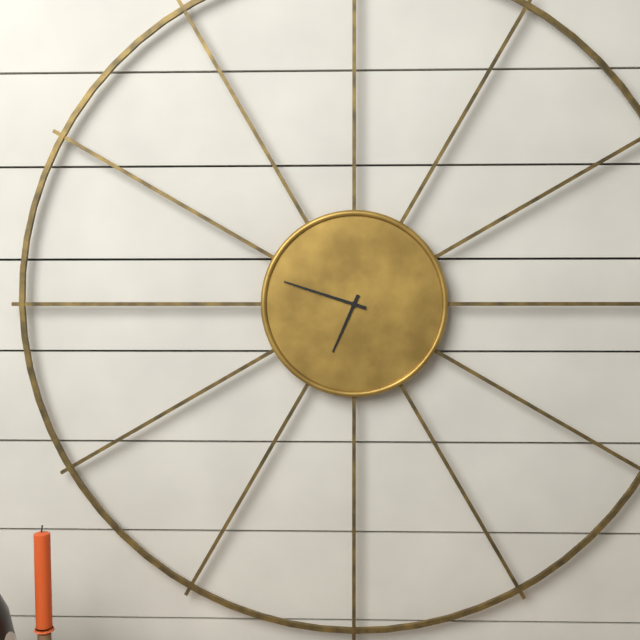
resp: 6,48
